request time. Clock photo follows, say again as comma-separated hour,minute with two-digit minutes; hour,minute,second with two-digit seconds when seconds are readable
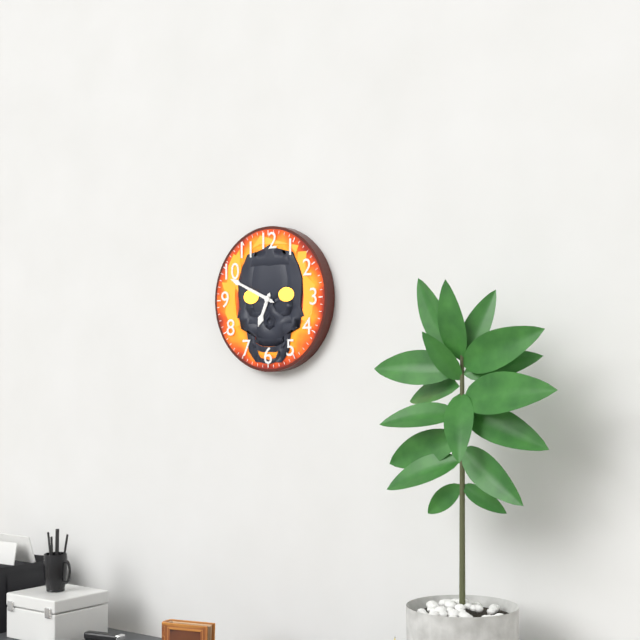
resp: 6,49
